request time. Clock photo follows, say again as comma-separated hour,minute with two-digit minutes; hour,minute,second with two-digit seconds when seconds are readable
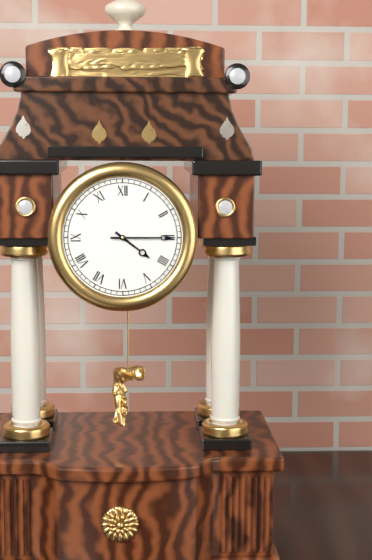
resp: 4,15
